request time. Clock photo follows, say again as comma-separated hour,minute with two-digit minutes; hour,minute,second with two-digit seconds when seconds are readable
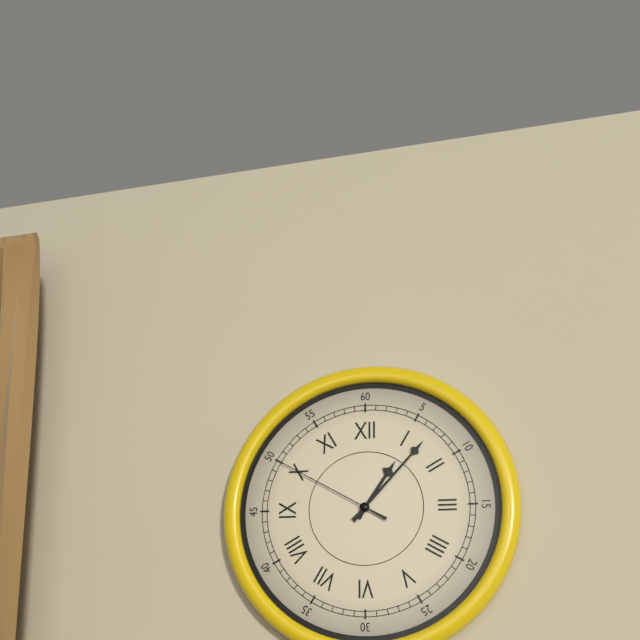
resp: 1,07,50
